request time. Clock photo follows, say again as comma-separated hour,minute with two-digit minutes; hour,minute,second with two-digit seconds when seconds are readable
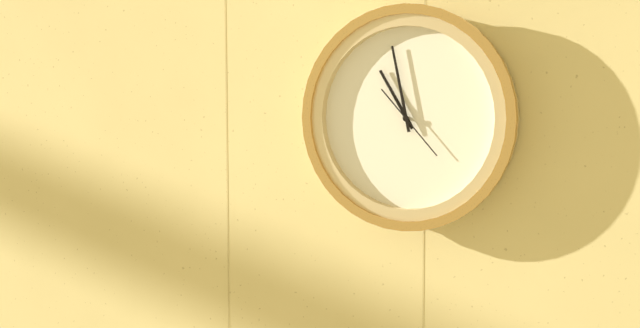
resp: 10,58,23
